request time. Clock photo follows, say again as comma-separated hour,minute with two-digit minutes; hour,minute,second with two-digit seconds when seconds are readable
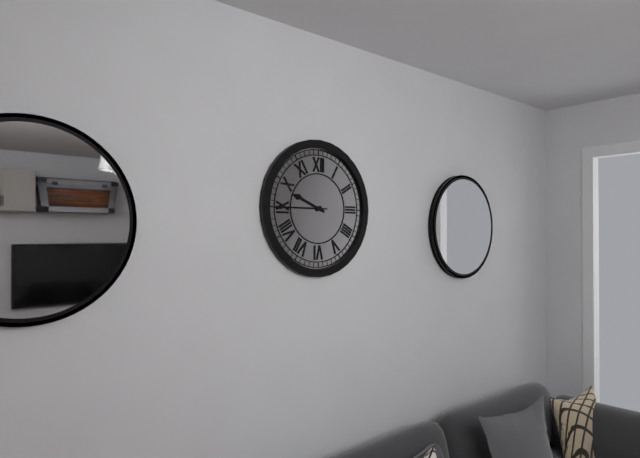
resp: 9,45
